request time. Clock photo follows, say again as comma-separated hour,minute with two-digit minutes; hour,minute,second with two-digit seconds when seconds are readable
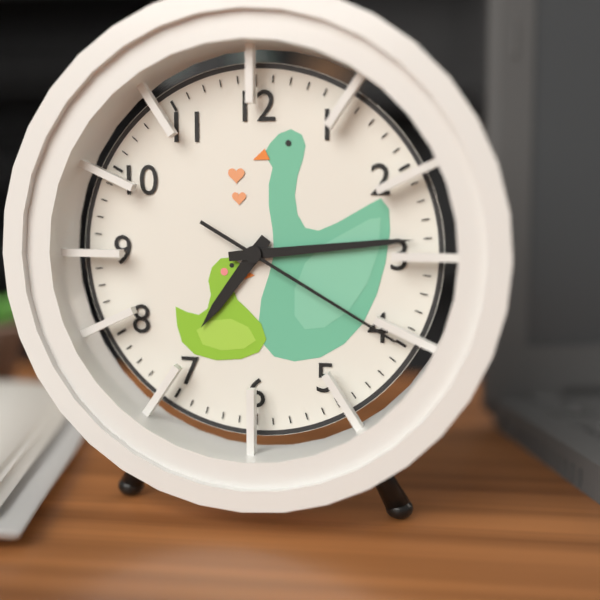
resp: 7,14,20
